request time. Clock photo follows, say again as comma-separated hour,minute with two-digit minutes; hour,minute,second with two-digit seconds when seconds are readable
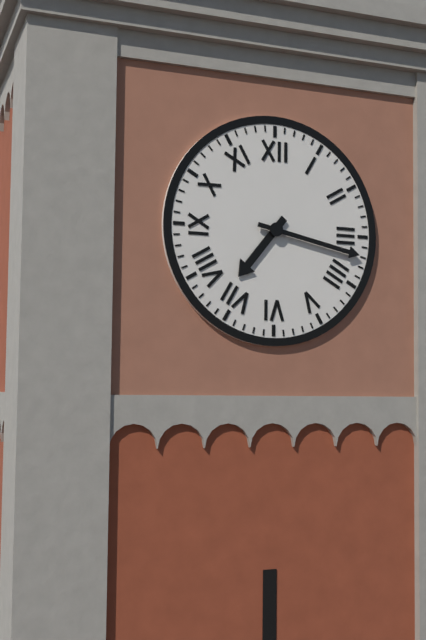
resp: 7,17
